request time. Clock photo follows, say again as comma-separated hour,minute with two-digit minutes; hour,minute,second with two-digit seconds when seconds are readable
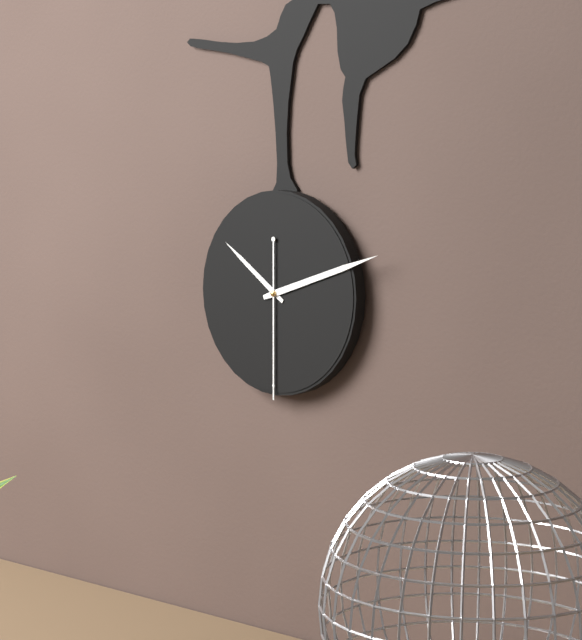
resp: 10,12,30
